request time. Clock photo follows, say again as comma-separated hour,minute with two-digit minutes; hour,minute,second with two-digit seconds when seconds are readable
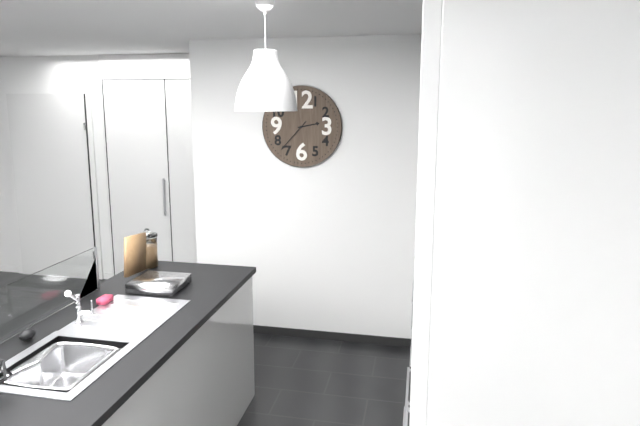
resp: 2,37
